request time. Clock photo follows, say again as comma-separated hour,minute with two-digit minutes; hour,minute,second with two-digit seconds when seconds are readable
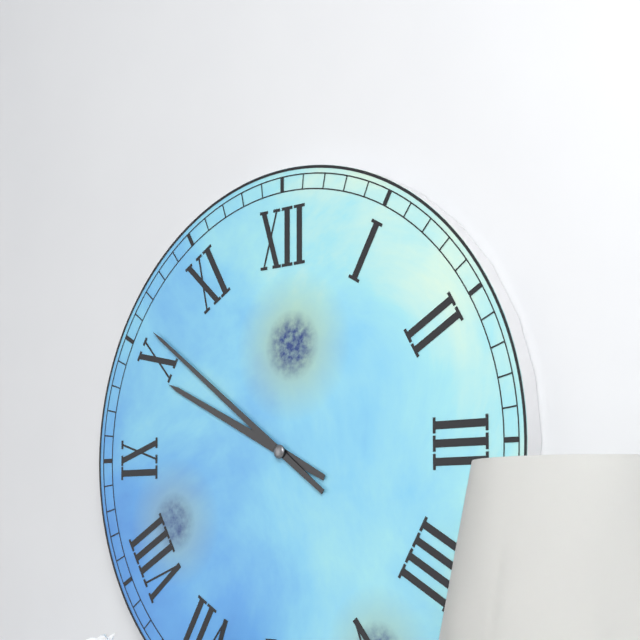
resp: 9,51
